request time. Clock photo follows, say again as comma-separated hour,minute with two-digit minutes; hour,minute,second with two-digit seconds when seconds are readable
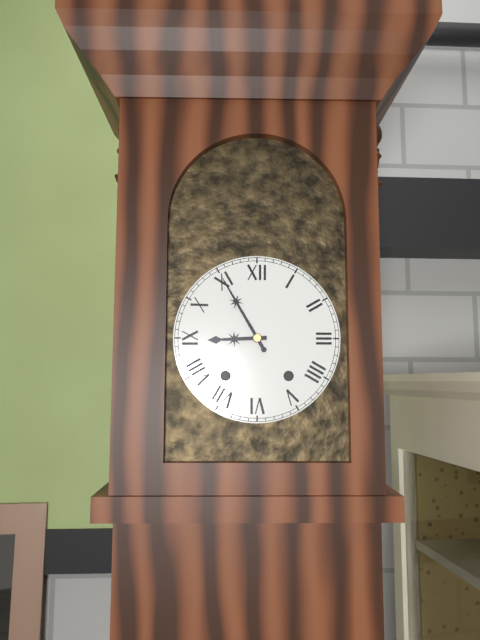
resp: 8,55
